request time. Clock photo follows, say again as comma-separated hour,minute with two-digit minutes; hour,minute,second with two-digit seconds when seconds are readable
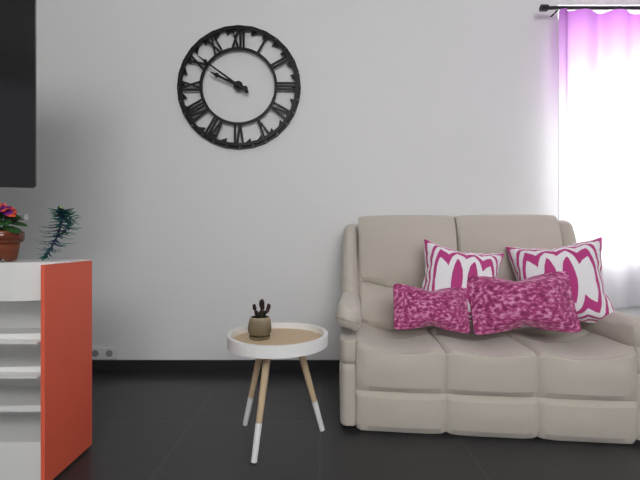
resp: 9,51
